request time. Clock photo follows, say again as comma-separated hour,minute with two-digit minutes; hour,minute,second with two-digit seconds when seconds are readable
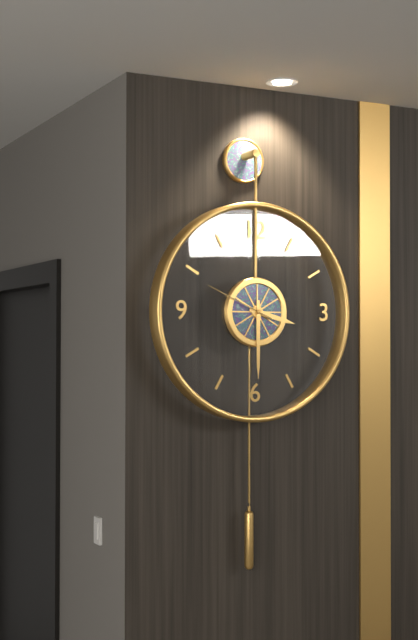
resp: 3,30,49
